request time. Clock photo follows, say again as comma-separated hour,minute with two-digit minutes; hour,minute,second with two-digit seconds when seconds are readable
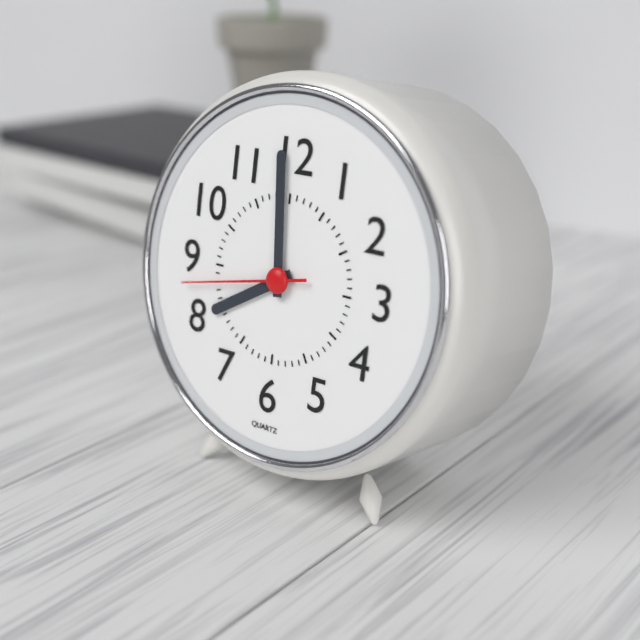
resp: 7,59,43
